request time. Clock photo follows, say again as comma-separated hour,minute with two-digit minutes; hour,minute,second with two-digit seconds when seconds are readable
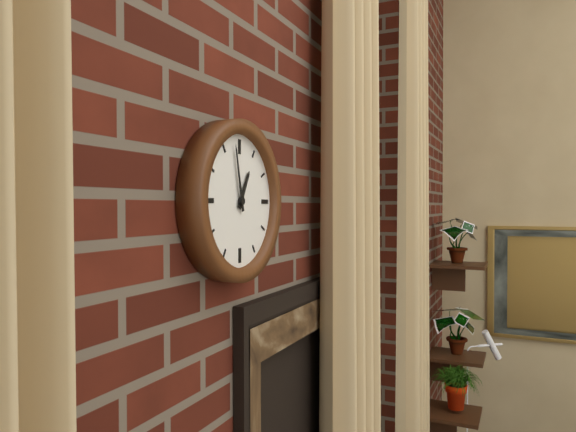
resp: 12,58
